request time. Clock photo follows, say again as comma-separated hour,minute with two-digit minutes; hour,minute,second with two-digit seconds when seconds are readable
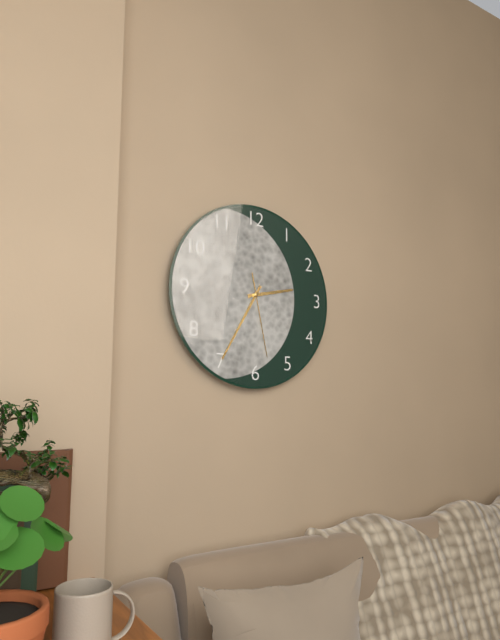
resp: 2,35,28
